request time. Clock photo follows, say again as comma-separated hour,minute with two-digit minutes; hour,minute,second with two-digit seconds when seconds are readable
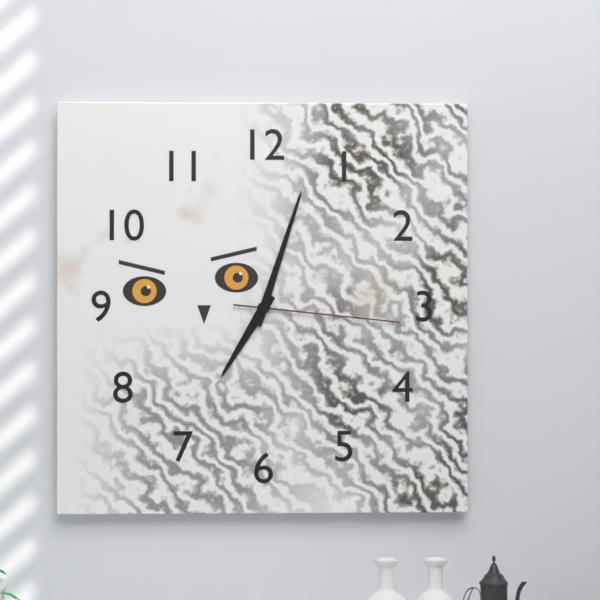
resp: 7,03,16
